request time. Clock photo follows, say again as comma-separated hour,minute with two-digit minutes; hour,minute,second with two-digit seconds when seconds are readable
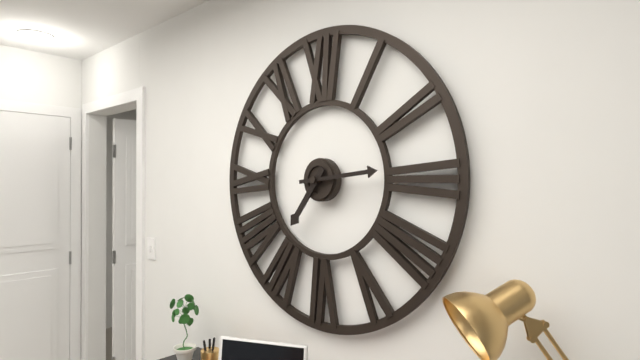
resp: 7,14
